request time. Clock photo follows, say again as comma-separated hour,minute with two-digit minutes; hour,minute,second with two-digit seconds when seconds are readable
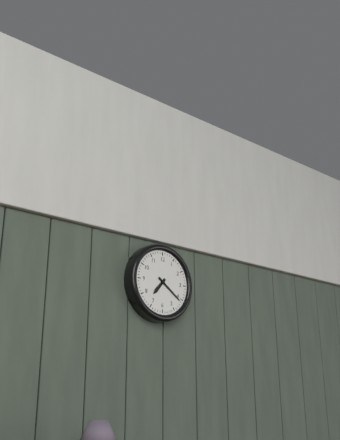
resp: 7,21
